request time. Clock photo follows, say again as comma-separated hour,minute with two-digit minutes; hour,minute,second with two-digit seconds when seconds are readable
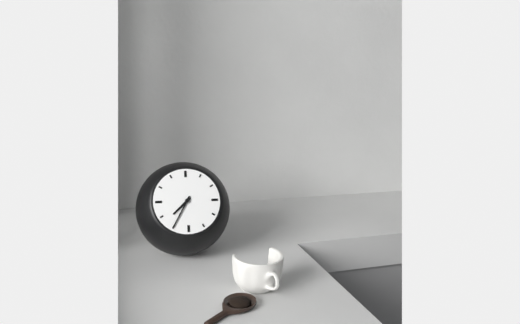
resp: 7,35
